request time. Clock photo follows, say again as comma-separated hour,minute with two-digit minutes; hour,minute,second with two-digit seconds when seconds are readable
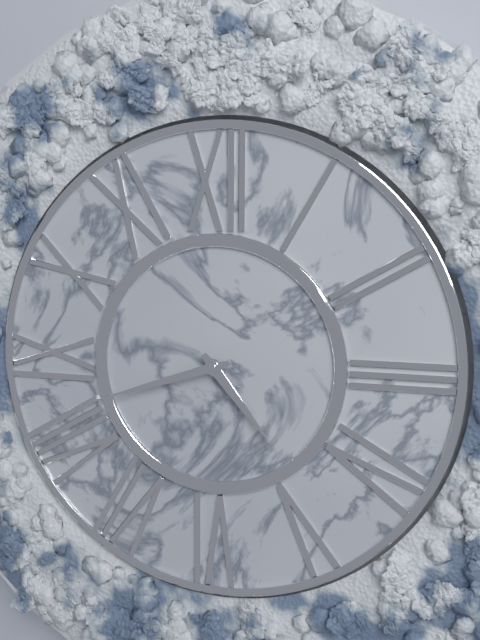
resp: 4,42
